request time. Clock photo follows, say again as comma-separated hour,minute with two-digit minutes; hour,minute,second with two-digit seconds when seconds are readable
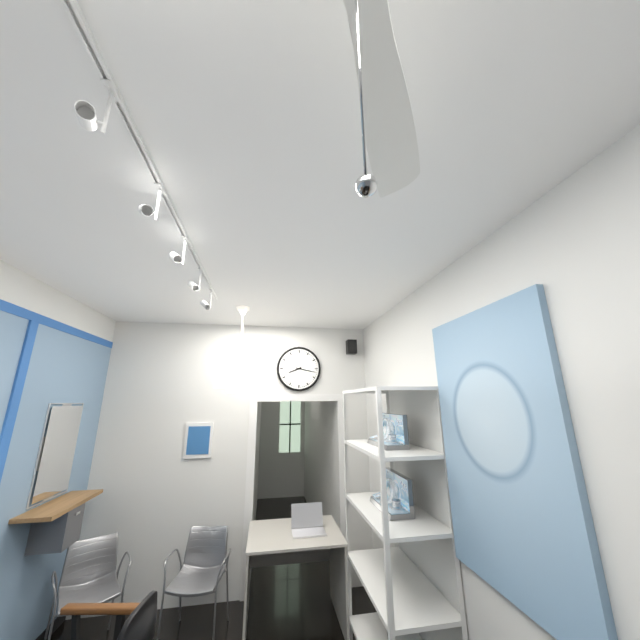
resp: 8,17
